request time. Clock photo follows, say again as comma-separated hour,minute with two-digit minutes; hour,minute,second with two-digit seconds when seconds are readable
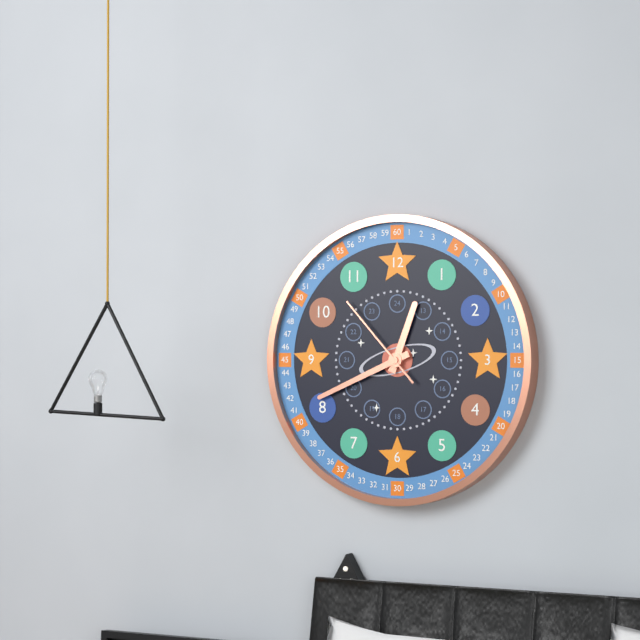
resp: 12,41,53
